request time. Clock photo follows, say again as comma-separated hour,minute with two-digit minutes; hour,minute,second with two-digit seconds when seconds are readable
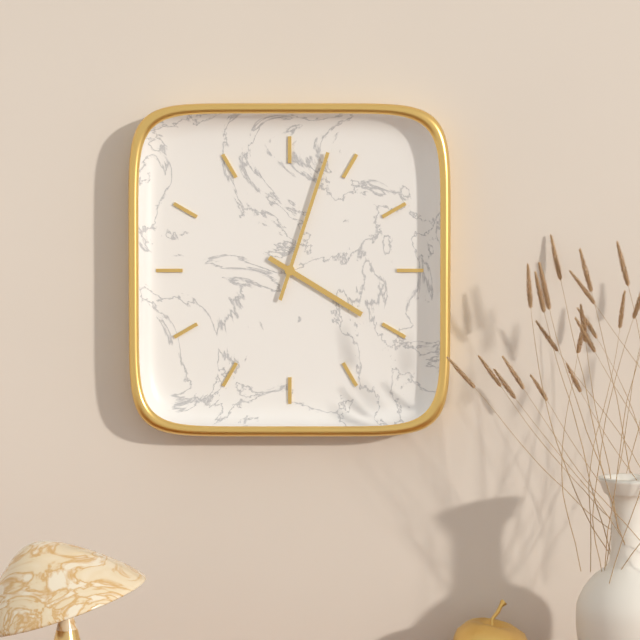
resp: 4,03
